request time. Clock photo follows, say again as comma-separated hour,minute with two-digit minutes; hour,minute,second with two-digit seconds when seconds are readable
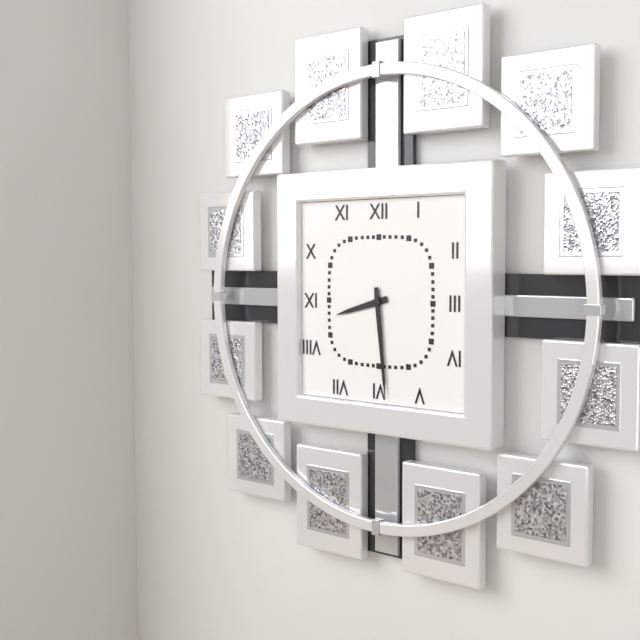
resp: 8,29
